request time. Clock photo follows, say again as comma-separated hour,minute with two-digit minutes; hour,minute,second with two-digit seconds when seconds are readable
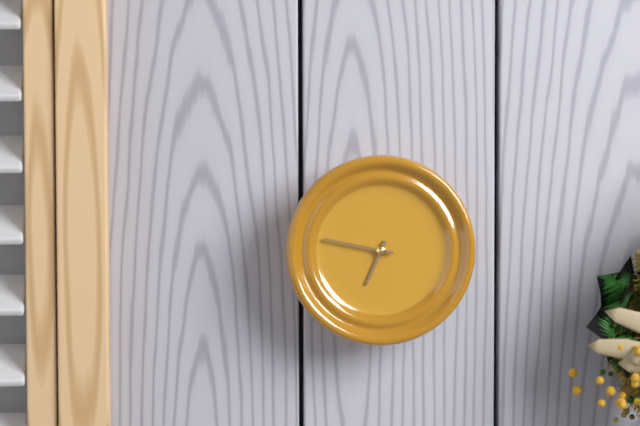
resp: 6,47
